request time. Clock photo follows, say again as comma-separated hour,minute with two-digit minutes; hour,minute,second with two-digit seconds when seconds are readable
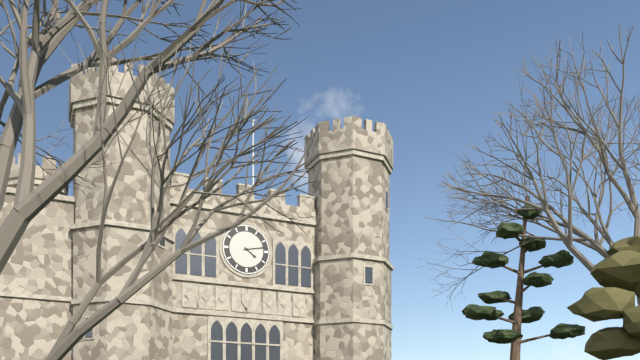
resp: 4,13
